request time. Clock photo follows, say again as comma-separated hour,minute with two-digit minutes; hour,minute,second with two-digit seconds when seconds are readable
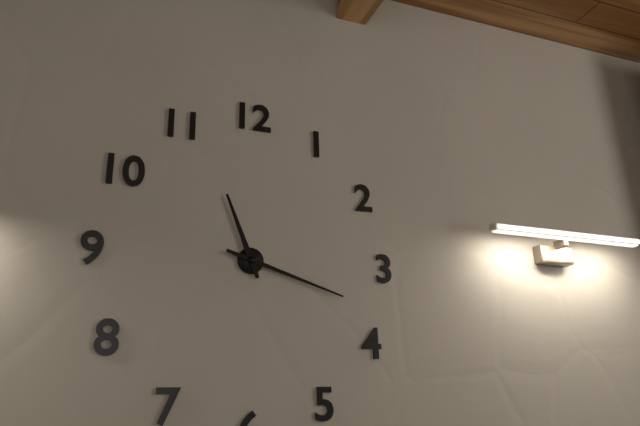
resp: 11,18
